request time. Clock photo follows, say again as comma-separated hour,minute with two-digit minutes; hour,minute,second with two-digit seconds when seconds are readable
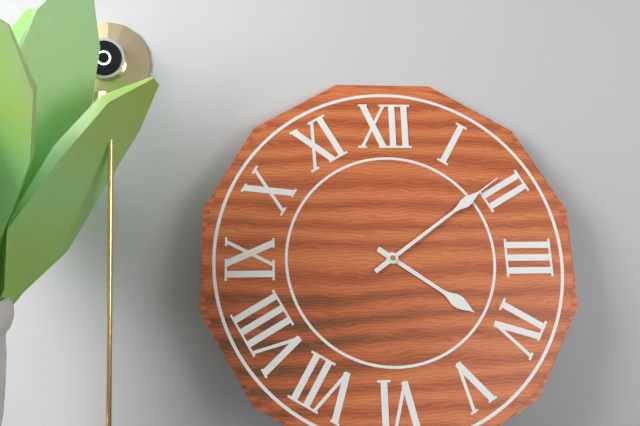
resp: 4,09
